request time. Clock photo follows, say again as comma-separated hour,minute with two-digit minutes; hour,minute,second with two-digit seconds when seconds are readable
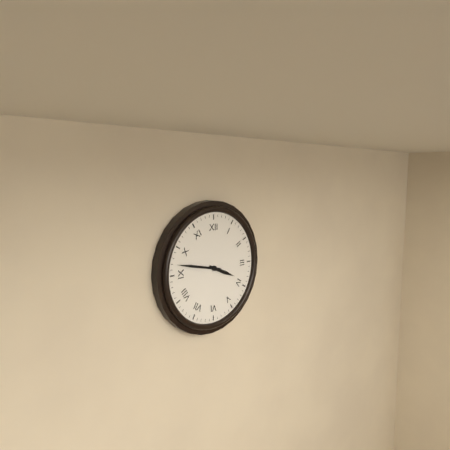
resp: 3,47
